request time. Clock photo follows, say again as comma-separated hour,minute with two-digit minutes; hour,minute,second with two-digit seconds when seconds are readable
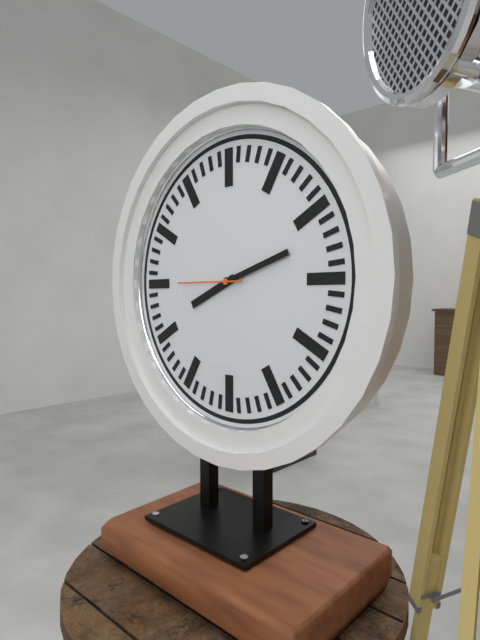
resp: 8,12,45
